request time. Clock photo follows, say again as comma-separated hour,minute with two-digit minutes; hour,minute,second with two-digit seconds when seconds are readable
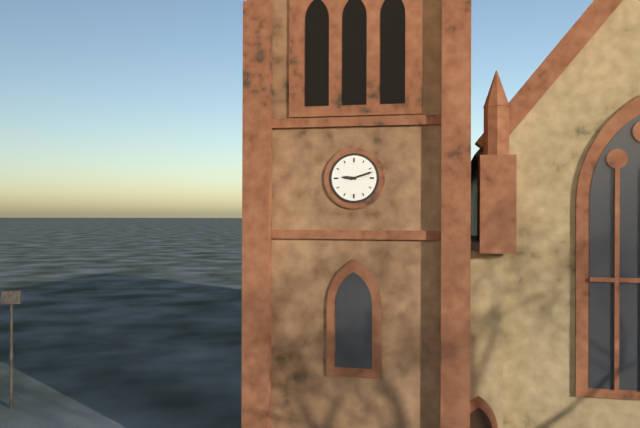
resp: 9,12
